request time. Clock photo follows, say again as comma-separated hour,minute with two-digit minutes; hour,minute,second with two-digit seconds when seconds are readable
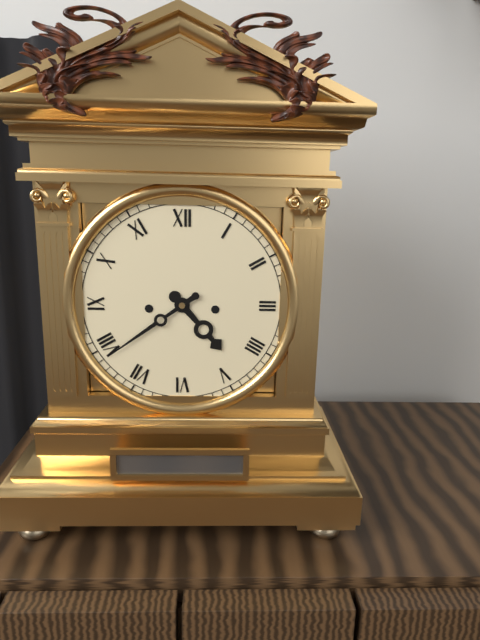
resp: 4,39
